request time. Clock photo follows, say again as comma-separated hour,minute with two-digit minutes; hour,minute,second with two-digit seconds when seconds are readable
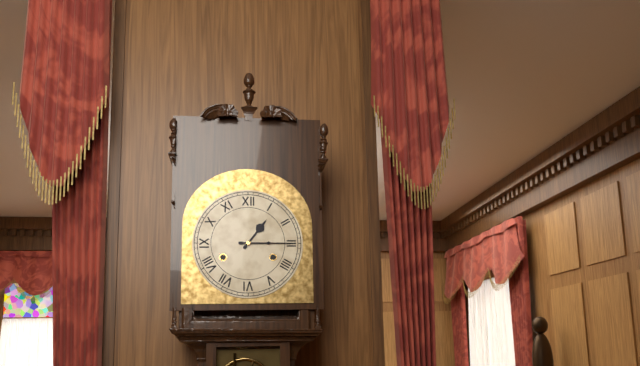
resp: 1,15
